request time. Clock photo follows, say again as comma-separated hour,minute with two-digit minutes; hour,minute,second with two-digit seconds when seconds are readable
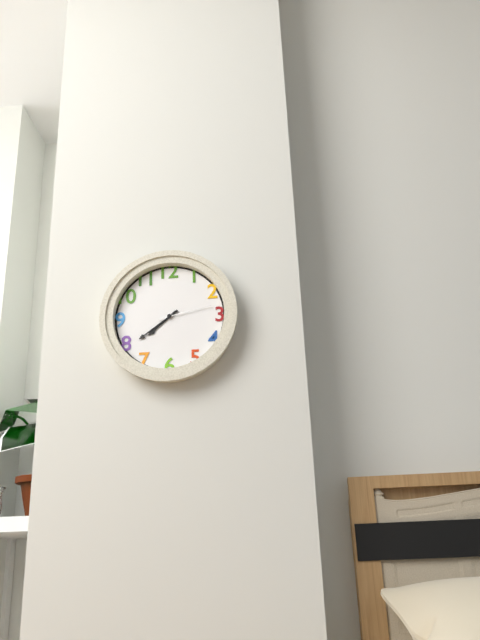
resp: 7,39,13
